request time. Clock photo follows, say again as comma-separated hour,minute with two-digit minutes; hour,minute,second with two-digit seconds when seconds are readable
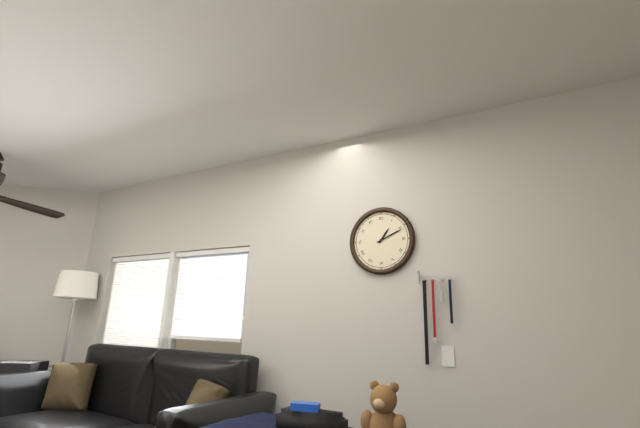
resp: 1,11
